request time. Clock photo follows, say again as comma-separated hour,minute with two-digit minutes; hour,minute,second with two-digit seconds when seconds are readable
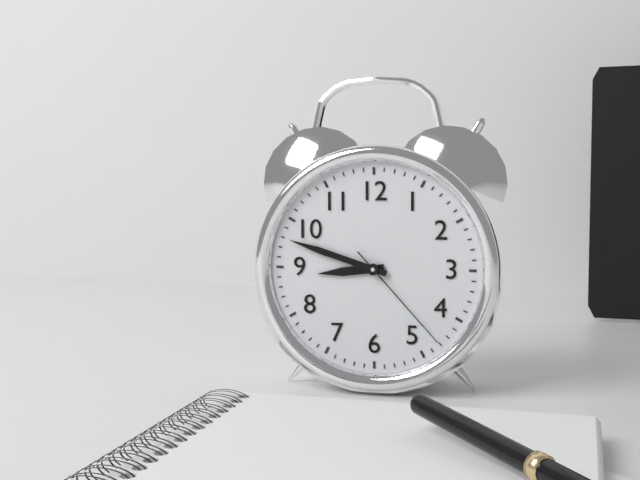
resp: 8,48,23
